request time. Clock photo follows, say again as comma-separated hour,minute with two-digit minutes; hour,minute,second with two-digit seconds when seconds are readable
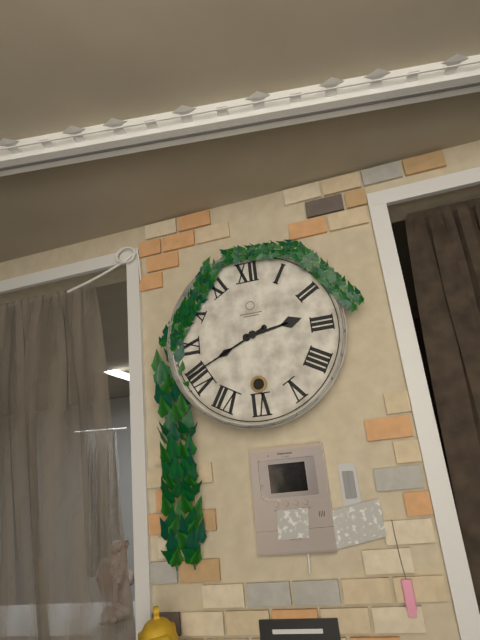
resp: 2,41
